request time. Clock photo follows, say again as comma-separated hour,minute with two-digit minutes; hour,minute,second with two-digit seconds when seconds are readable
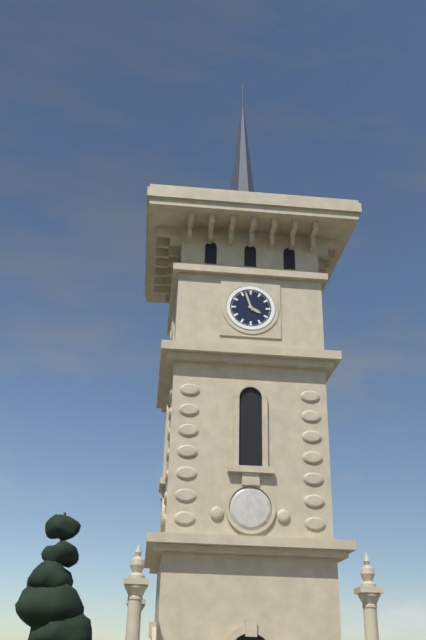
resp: 3,57
